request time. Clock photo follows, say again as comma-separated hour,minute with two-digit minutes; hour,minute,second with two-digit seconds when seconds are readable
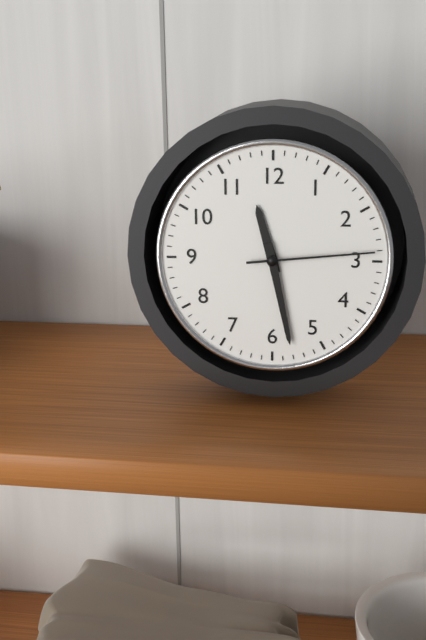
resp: 11,28,14
